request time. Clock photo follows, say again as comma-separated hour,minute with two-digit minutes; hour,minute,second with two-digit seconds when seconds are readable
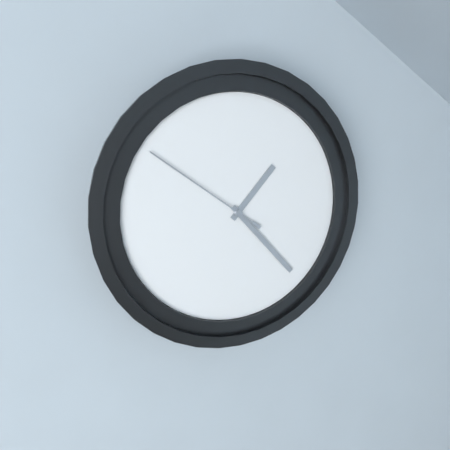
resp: 1,23,51
